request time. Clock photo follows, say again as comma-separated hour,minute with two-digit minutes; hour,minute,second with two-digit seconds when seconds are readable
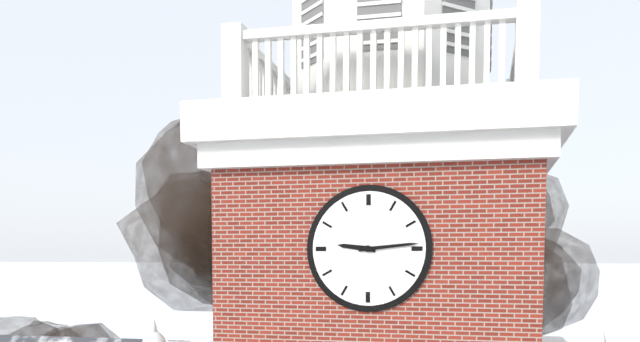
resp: 9,14
